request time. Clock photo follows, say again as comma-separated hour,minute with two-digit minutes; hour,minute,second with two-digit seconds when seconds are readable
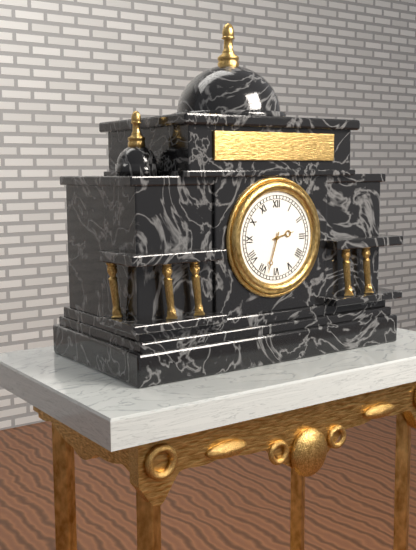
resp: 2,33
